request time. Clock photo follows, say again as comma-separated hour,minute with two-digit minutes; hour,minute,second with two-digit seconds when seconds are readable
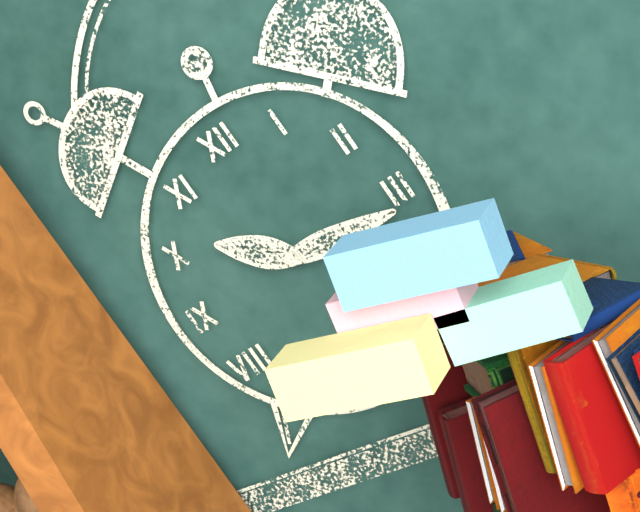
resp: 10,16
